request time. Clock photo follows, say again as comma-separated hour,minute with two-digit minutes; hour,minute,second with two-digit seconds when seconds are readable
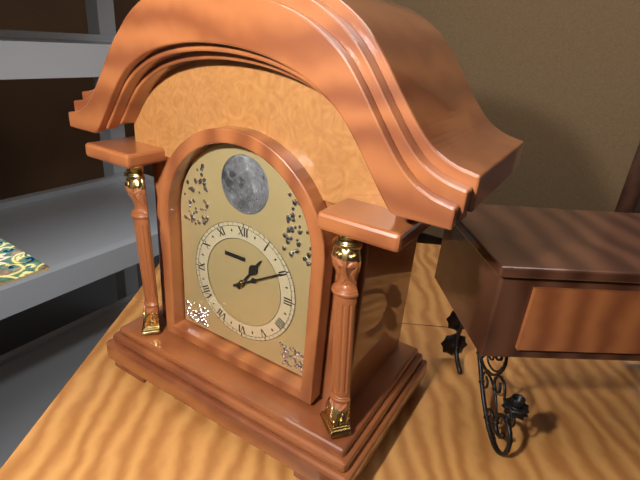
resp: 1,10
